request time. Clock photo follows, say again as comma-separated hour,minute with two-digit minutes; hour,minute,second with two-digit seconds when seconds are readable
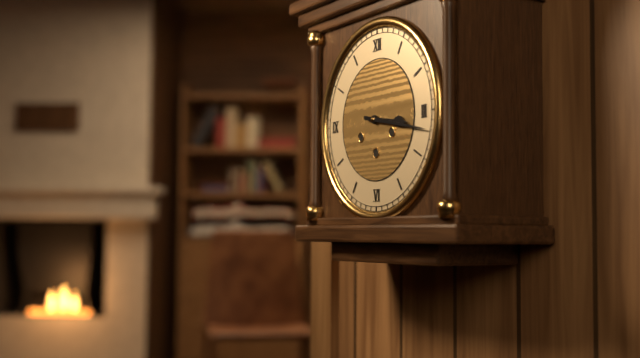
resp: 3,17
